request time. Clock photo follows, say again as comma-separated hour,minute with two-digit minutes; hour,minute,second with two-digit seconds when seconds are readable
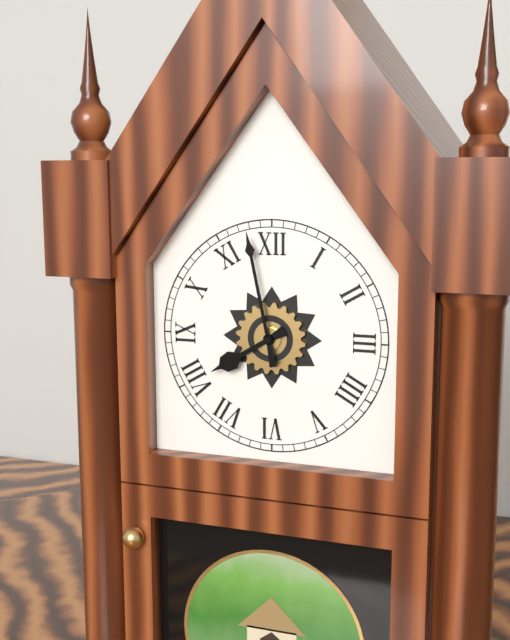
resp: 7,58
